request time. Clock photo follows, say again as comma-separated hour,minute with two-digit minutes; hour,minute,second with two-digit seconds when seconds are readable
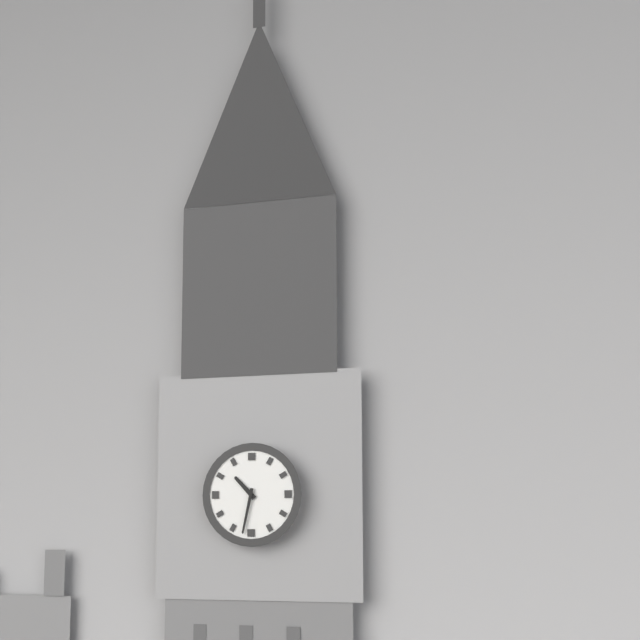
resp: 10,32
